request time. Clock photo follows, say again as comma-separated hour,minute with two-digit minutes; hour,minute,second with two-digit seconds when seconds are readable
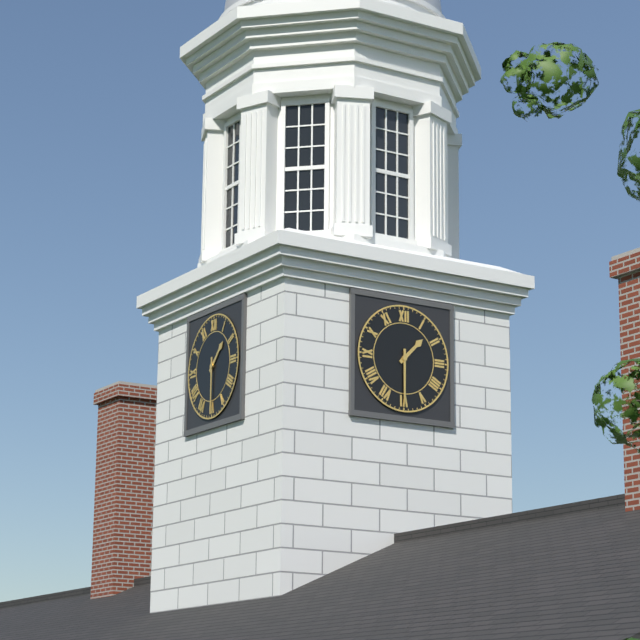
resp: 1,30
